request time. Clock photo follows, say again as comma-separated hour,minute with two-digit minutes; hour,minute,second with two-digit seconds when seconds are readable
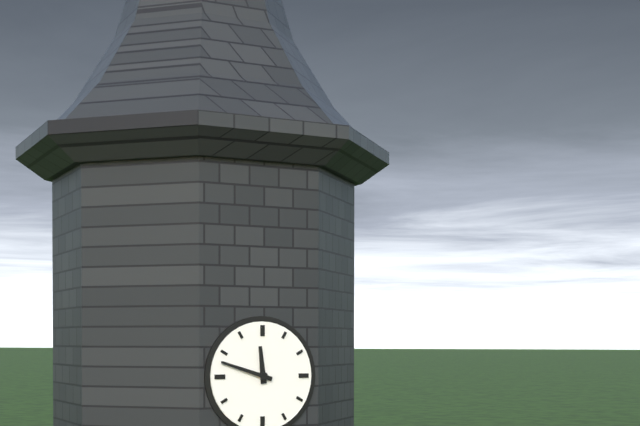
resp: 11,48
